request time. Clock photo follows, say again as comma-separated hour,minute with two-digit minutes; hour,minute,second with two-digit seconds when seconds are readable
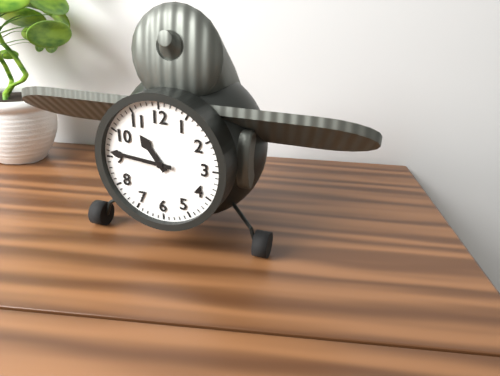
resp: 10,46
